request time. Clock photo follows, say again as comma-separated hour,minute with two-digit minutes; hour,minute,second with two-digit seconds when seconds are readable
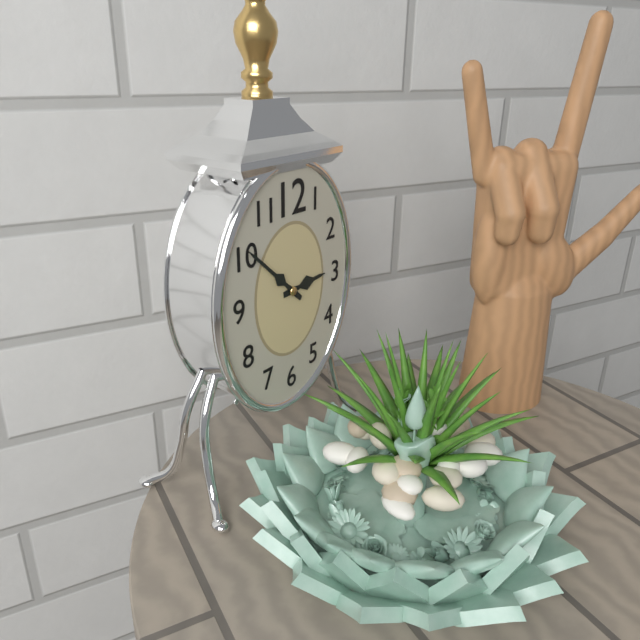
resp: 2,52
